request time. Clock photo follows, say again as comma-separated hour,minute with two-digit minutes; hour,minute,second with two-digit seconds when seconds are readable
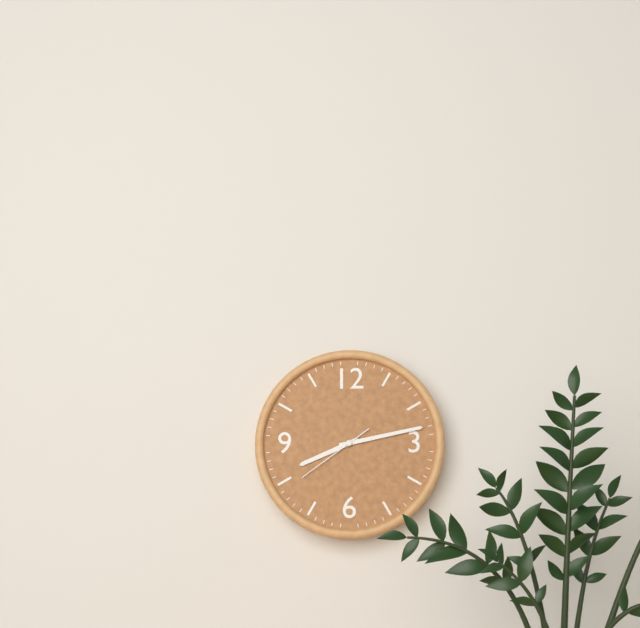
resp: 8,13,39
